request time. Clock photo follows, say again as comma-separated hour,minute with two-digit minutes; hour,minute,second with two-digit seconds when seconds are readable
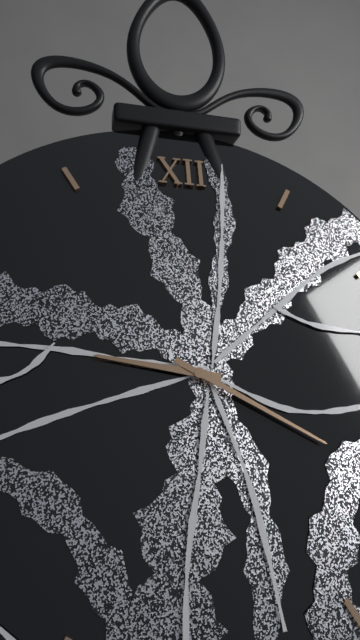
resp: 9,20
